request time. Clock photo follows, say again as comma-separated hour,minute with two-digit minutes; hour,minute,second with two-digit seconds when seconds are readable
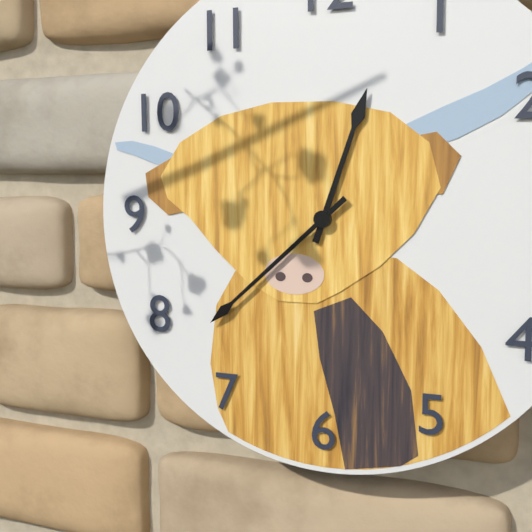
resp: 12,38
